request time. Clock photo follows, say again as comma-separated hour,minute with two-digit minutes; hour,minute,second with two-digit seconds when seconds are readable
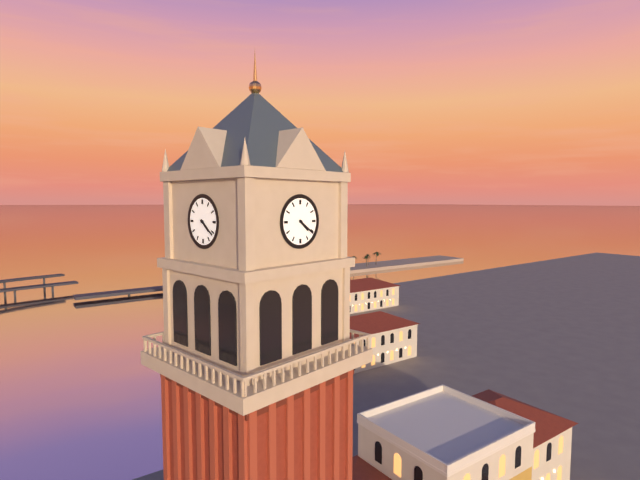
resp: 4,21
